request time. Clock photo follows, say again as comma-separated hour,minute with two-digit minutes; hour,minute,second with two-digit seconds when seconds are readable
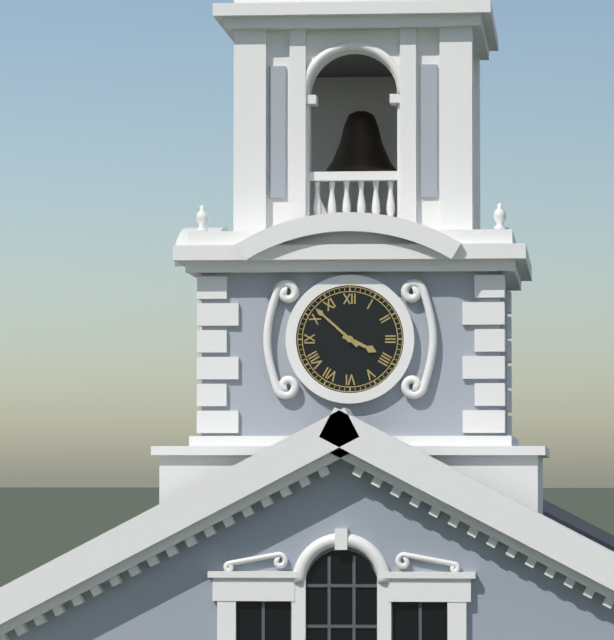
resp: 3,52
